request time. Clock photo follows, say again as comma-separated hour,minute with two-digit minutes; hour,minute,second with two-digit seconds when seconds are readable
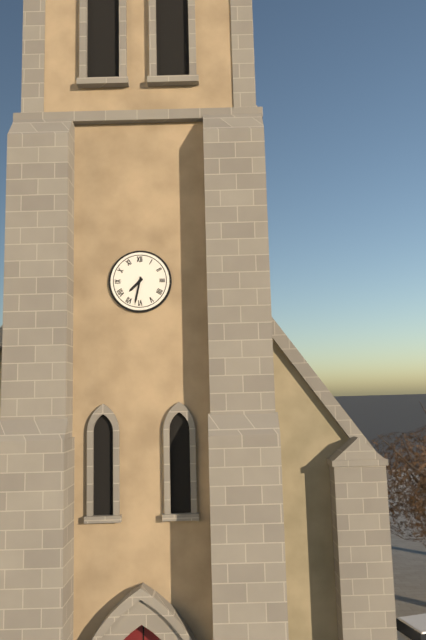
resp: 7,32
